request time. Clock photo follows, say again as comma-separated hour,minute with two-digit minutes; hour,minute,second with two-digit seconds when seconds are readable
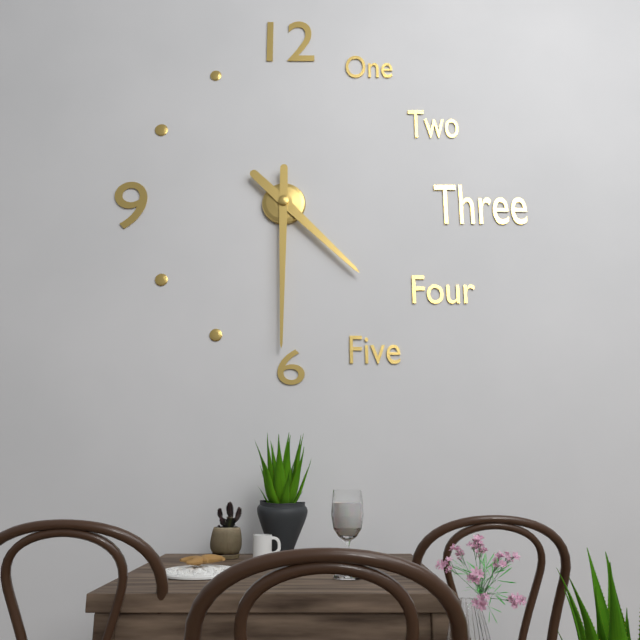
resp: 4,30
